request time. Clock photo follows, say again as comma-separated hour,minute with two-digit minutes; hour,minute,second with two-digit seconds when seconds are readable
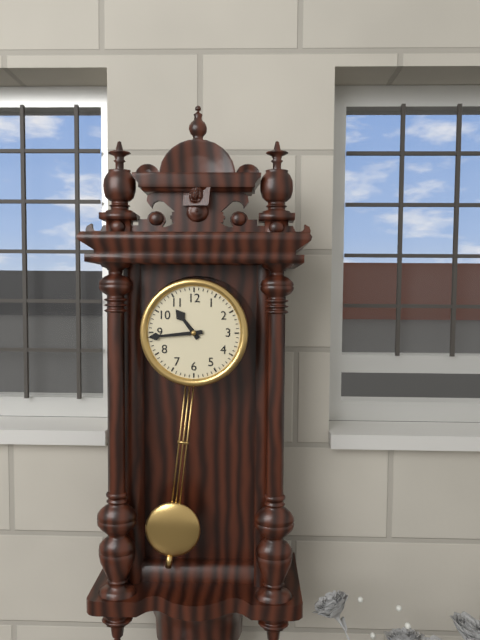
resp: 10,44
